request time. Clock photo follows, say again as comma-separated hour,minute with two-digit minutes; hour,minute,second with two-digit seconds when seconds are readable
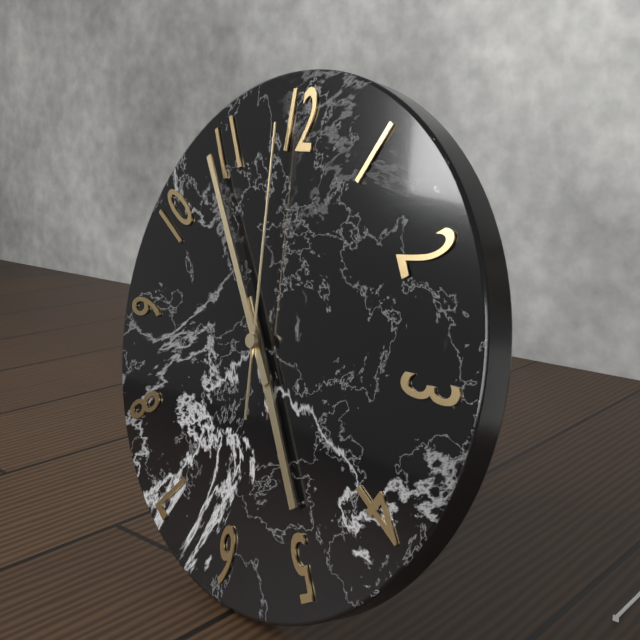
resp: 4,54,59
